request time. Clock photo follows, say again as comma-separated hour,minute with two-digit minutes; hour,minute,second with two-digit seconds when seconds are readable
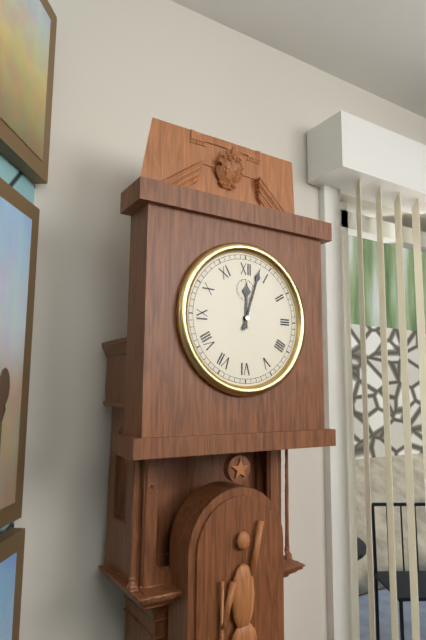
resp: 12,03
